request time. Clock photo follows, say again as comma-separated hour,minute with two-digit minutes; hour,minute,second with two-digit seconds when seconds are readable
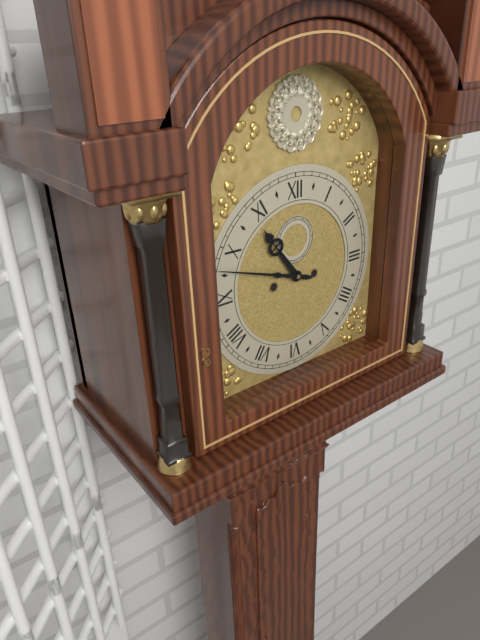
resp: 10,48
